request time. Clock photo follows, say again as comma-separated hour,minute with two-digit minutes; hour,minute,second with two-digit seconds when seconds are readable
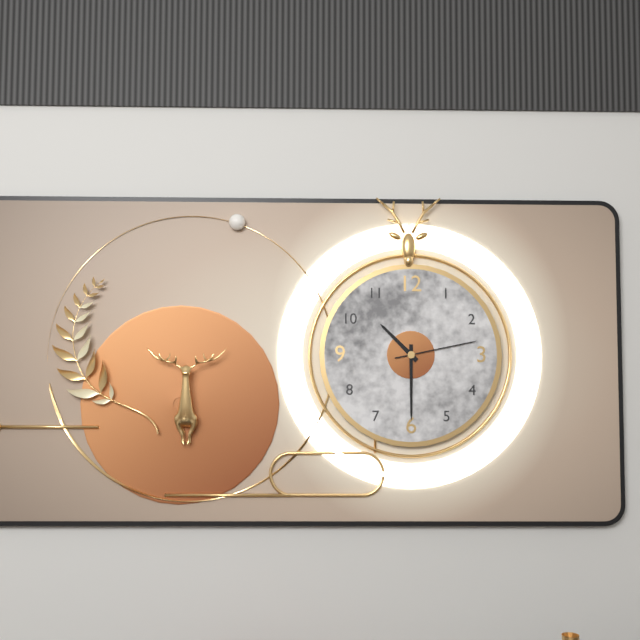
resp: 10,30,13
